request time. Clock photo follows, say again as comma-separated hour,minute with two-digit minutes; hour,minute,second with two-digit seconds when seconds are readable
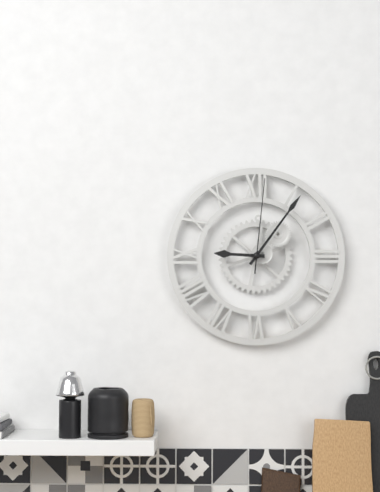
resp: 9,06,01
